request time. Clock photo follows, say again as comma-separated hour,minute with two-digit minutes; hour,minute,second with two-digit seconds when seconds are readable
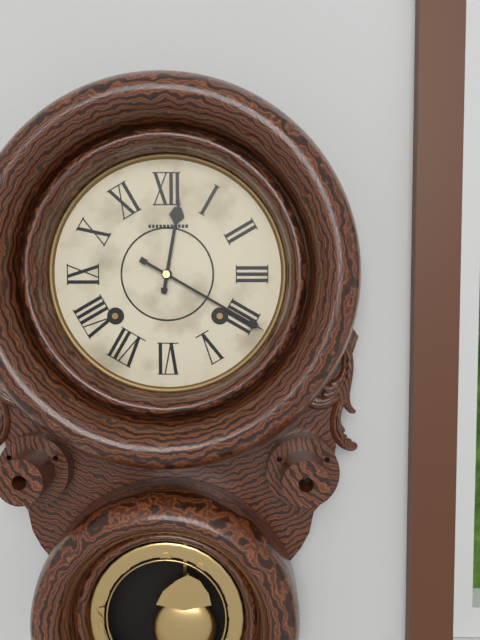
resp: 12,20
